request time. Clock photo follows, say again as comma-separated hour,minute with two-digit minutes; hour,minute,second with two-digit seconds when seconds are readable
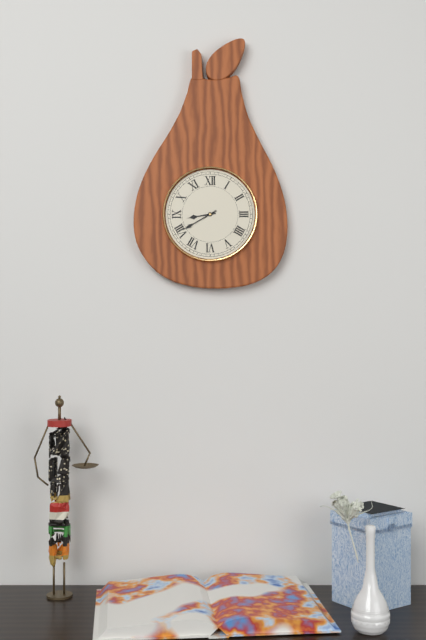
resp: 8,40
